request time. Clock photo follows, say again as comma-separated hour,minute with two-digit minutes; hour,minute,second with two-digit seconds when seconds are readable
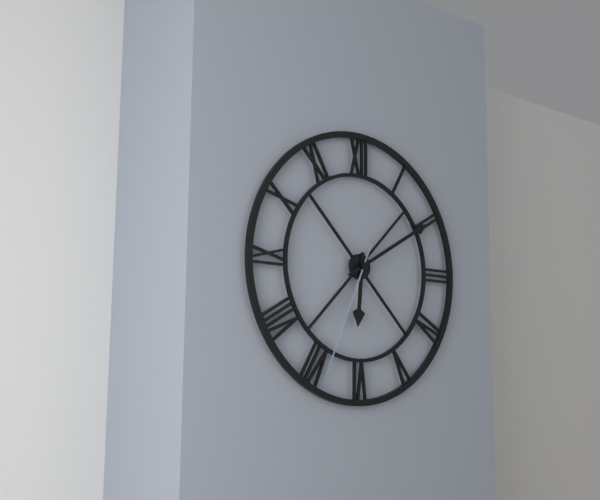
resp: 6,10,34
